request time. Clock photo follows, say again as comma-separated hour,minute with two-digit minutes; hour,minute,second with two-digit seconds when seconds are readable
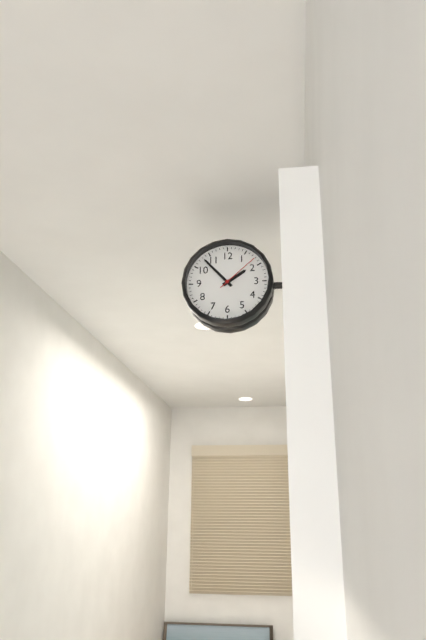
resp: 1,53
